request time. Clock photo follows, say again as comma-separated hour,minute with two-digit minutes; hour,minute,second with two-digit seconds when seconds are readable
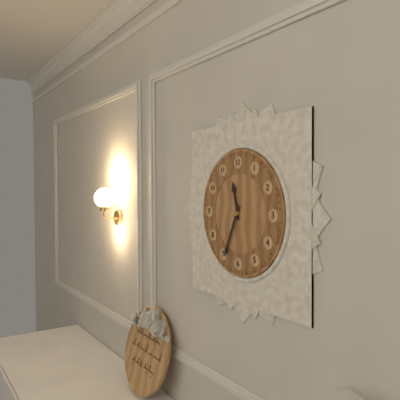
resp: 11,34
